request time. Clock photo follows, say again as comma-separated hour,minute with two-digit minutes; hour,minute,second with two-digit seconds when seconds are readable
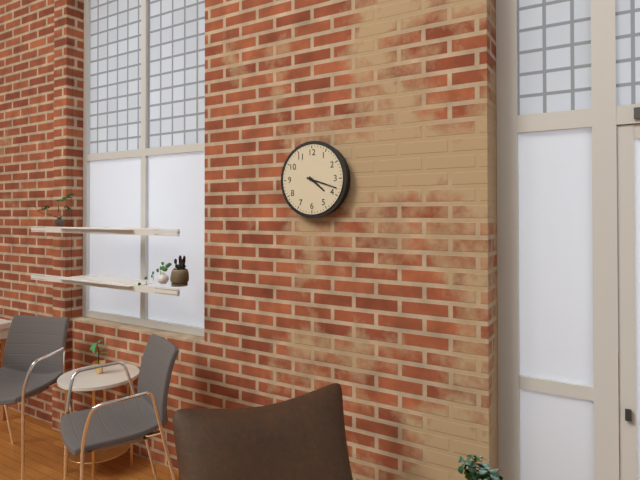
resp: 4,18
